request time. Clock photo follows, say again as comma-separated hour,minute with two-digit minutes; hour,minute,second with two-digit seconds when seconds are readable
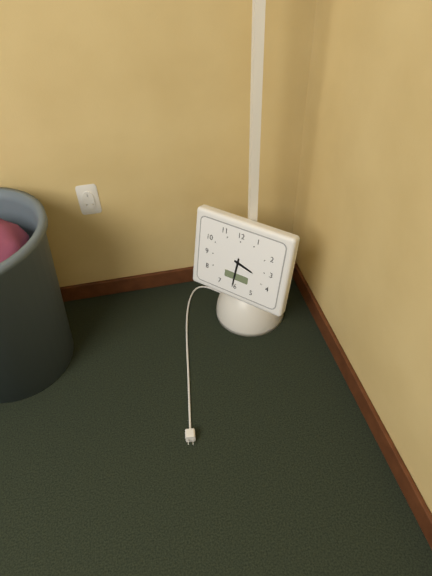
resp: 3,31
